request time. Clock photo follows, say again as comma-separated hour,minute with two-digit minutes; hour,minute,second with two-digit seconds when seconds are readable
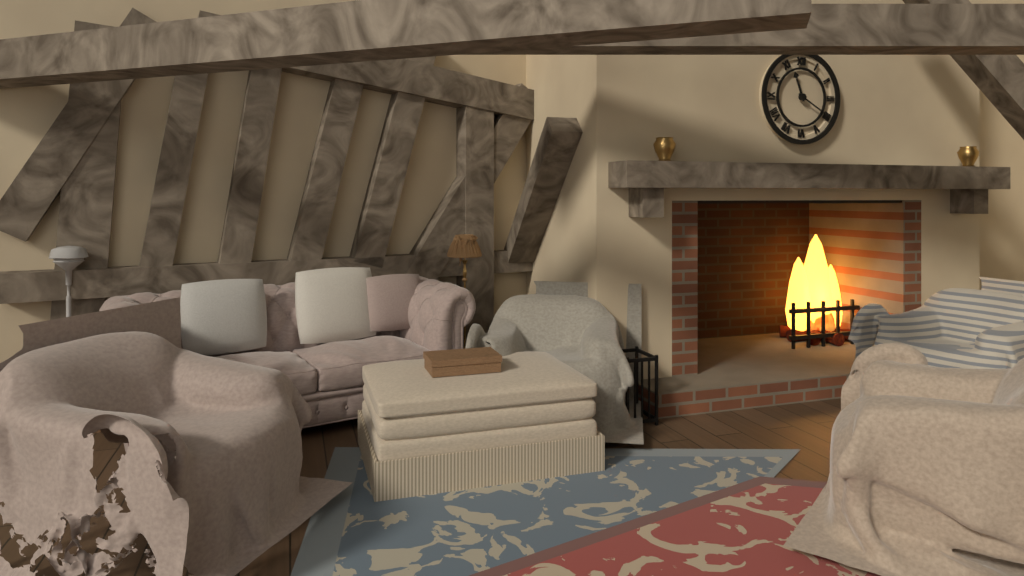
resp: 11,20
